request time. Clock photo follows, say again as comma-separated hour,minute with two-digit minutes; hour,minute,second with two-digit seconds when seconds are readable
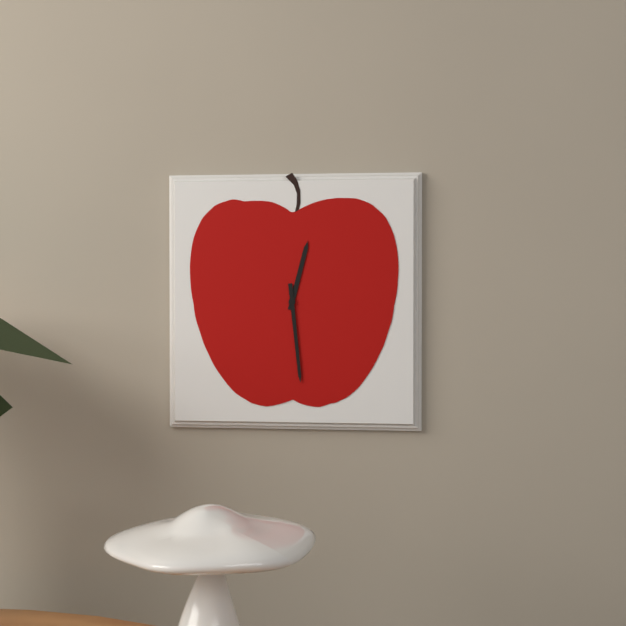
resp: 12,29
